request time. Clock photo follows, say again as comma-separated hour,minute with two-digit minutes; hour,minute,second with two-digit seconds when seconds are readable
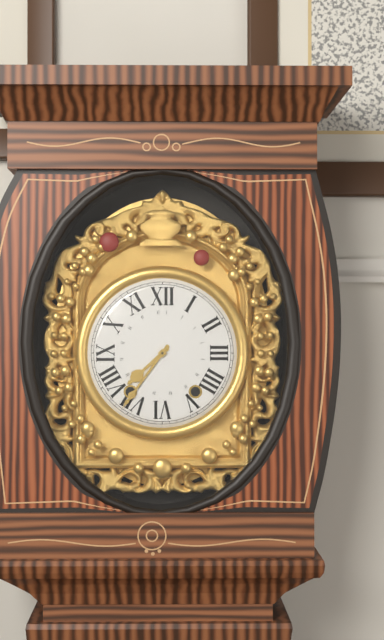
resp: 7,36
